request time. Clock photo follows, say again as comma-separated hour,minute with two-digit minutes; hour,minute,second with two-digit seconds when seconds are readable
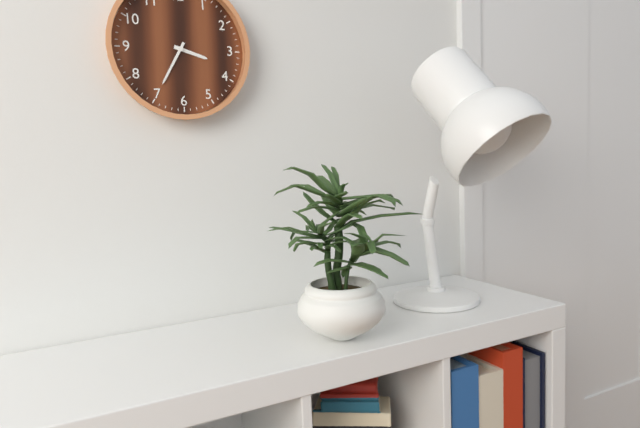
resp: 3,35
